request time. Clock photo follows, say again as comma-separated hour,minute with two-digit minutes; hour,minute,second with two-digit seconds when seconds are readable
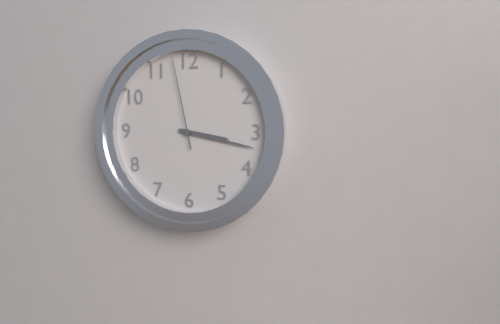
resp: 3,17,58
